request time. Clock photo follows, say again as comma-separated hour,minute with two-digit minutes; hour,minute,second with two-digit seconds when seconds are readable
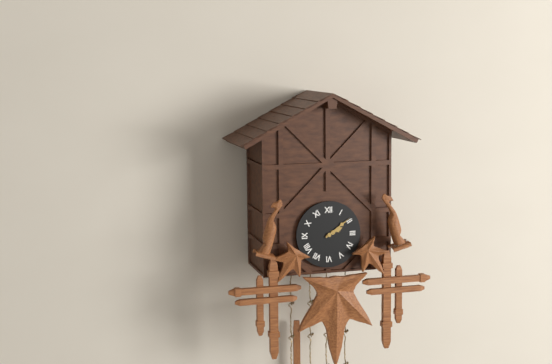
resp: 2,09
